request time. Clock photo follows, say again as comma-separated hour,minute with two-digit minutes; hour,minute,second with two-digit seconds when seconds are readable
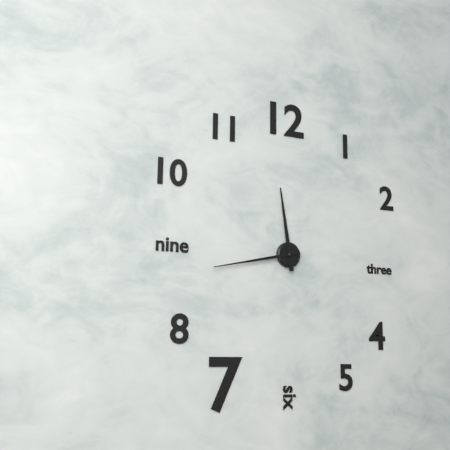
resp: 11,43
